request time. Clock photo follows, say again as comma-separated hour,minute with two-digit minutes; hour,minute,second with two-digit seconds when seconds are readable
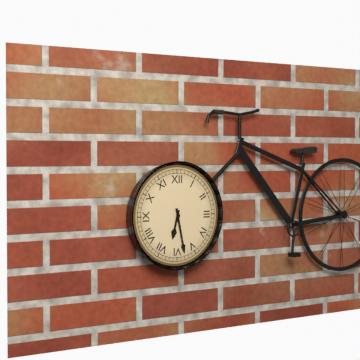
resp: 6,28
